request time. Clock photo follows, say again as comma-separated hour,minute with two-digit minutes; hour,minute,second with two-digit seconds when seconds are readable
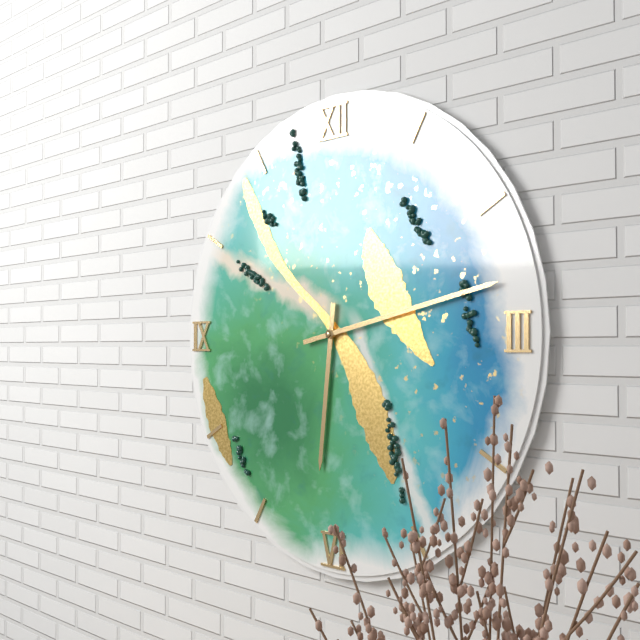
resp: 6,13
